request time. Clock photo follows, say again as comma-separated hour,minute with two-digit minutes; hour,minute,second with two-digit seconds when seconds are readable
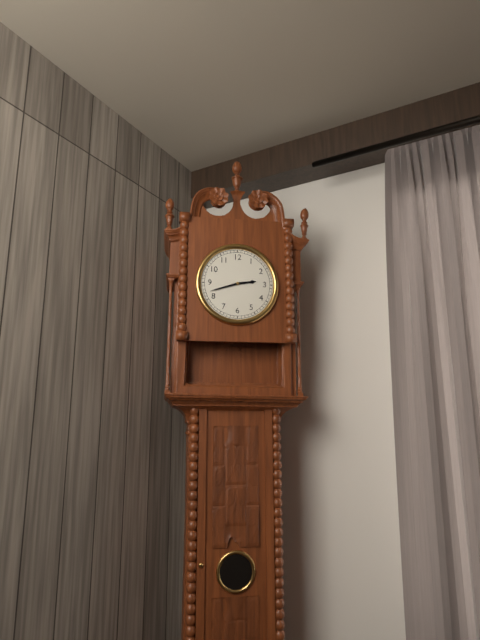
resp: 2,42
